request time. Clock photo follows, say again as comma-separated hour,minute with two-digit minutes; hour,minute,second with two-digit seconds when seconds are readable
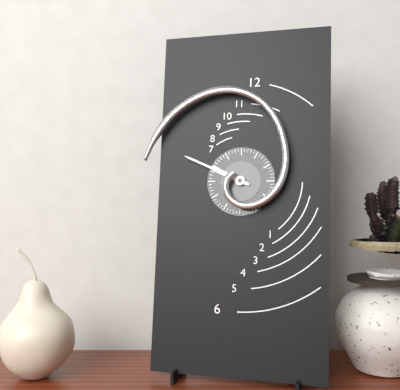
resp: 9,49
